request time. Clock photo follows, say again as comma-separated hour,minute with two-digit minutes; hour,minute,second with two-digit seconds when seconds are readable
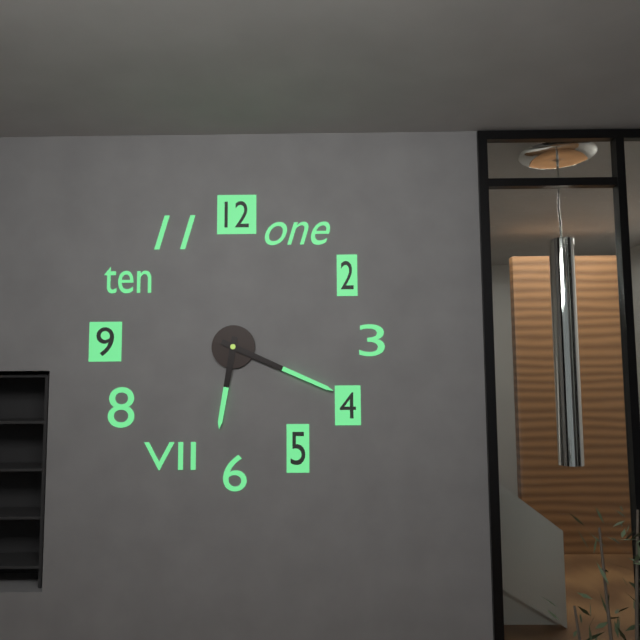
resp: 6,19
